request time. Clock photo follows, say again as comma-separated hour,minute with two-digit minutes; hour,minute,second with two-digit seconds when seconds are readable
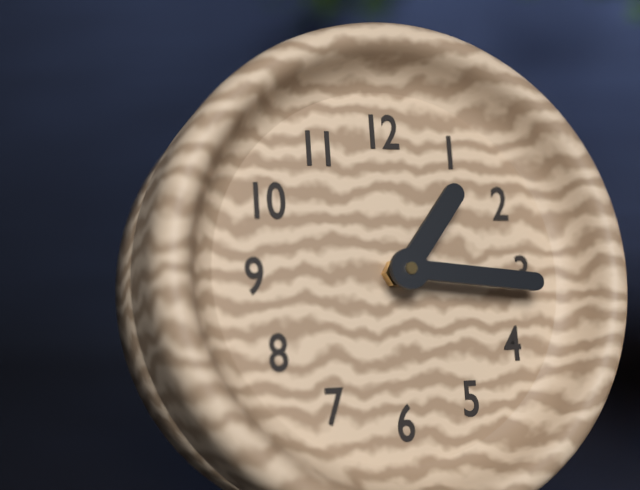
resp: 1,16
